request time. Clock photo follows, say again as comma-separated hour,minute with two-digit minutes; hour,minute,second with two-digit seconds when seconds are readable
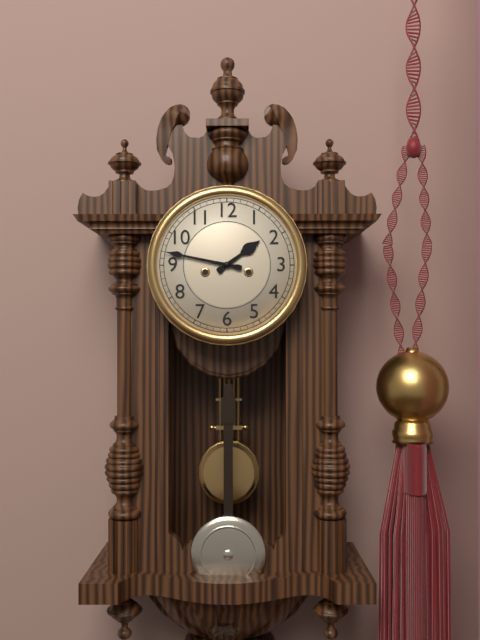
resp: 1,47
